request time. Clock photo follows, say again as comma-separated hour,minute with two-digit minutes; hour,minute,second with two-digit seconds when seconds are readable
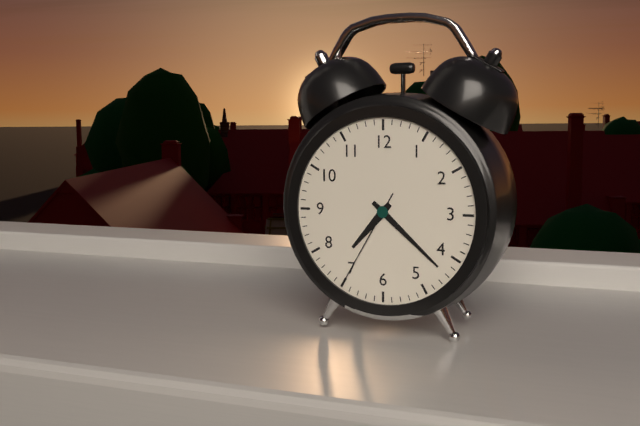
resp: 7,22,35
